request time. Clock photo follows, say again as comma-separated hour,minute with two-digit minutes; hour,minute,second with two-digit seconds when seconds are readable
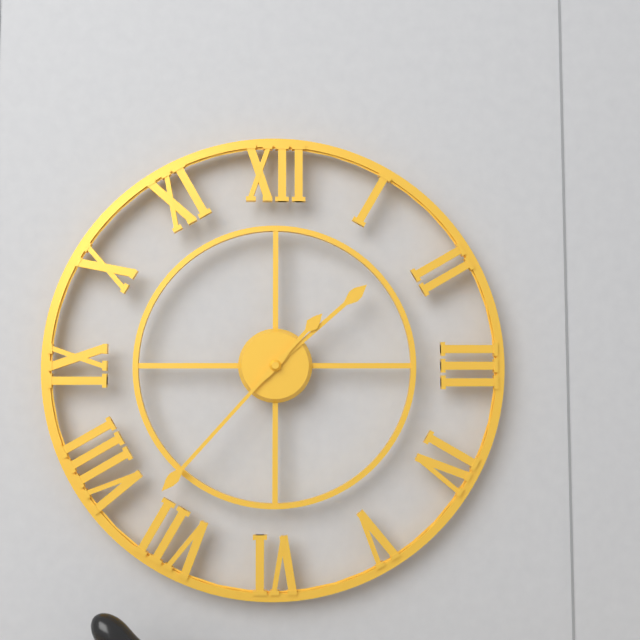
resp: 1,37
